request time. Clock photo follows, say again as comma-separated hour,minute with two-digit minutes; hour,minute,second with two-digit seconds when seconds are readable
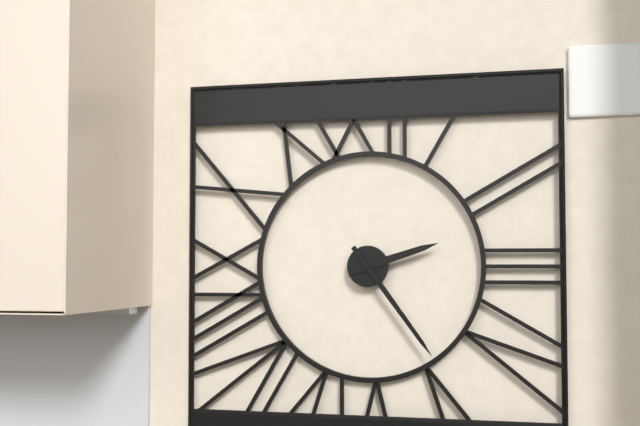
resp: 2,24
